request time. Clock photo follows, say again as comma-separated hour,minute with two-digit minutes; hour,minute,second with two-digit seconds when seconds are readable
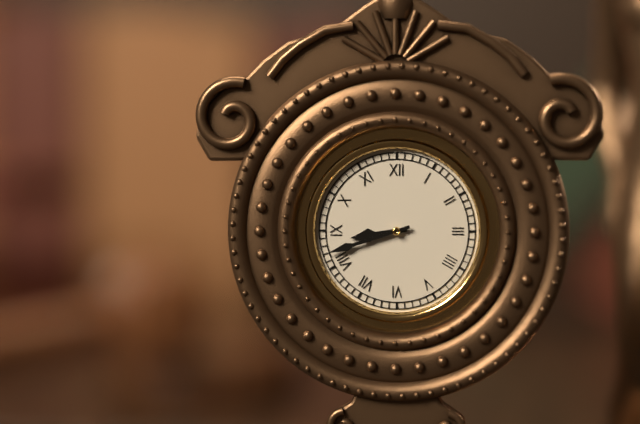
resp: 8,42
